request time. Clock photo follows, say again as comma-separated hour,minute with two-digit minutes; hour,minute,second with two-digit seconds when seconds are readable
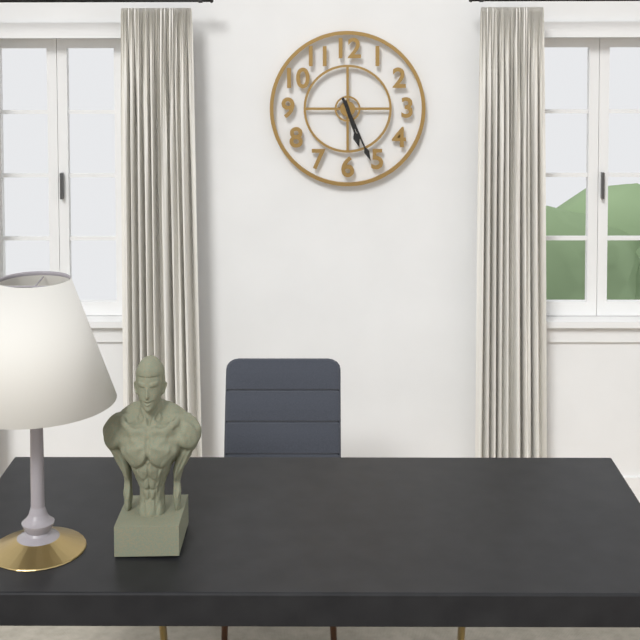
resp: 5,26
